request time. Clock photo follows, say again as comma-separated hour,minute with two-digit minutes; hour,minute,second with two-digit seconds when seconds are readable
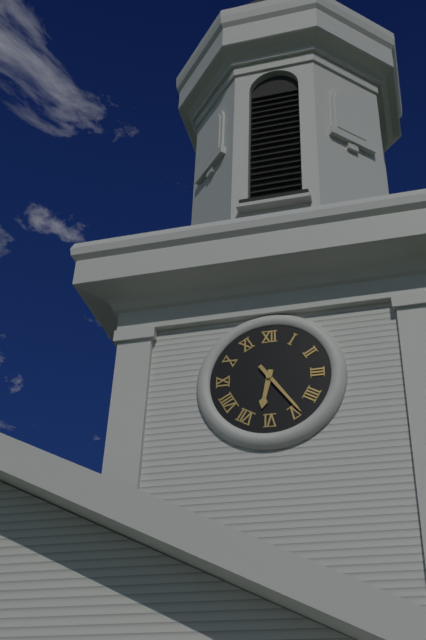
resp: 6,24
